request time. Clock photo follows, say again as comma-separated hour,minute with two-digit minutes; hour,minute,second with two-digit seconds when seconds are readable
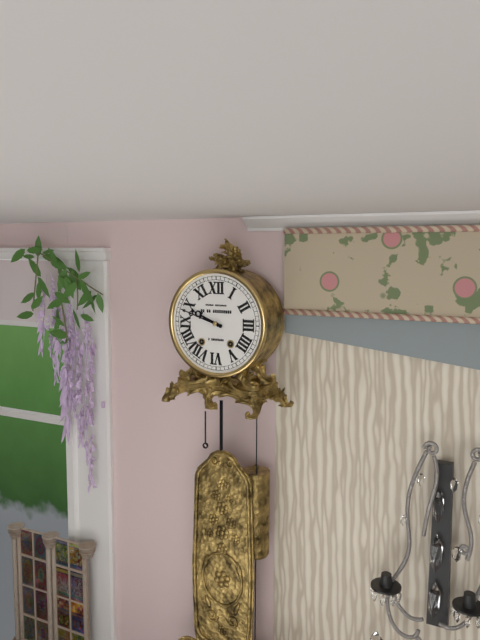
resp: 9,48
